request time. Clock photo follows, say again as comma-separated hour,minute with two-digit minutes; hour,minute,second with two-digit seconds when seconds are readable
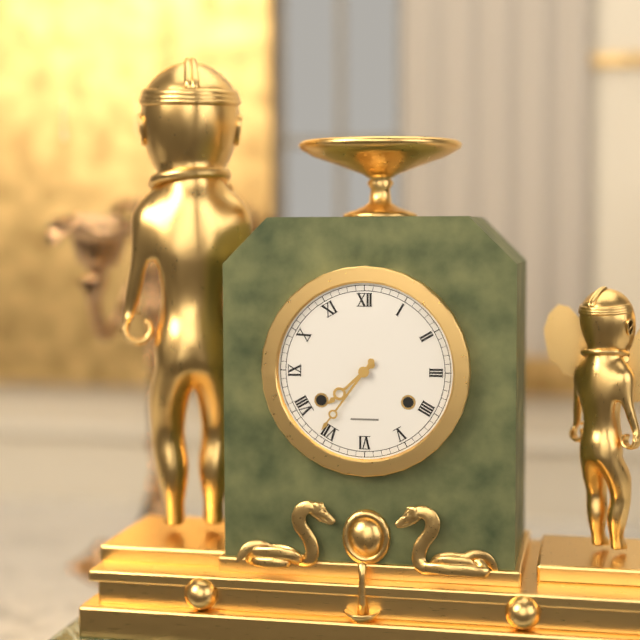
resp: 7,36
